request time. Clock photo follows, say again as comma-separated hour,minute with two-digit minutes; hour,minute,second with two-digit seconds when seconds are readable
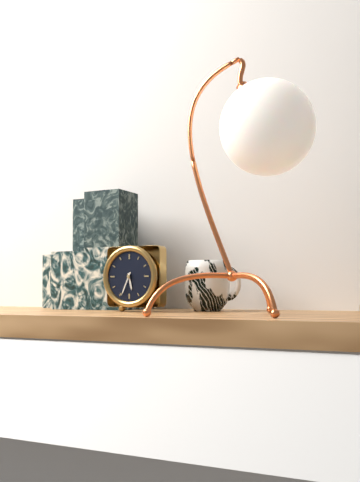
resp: 5,34
